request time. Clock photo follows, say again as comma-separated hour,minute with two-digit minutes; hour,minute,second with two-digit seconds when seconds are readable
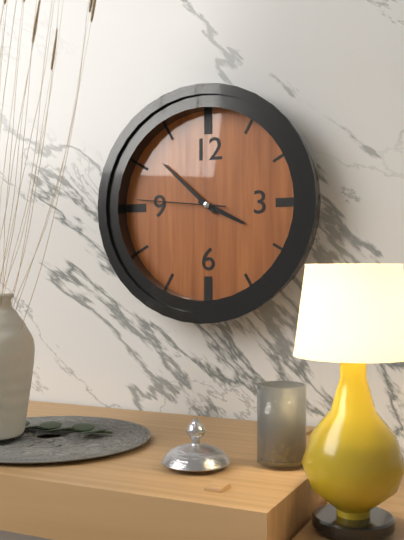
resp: 3,52,46
